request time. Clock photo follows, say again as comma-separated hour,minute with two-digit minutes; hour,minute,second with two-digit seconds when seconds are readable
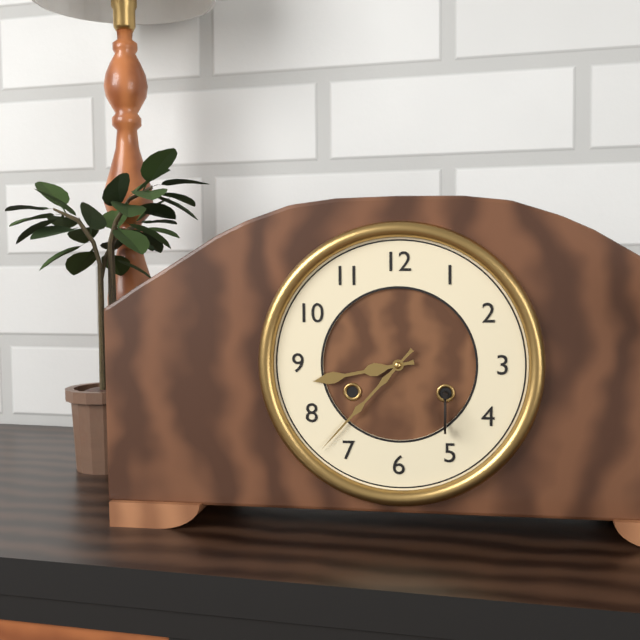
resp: 8,37
